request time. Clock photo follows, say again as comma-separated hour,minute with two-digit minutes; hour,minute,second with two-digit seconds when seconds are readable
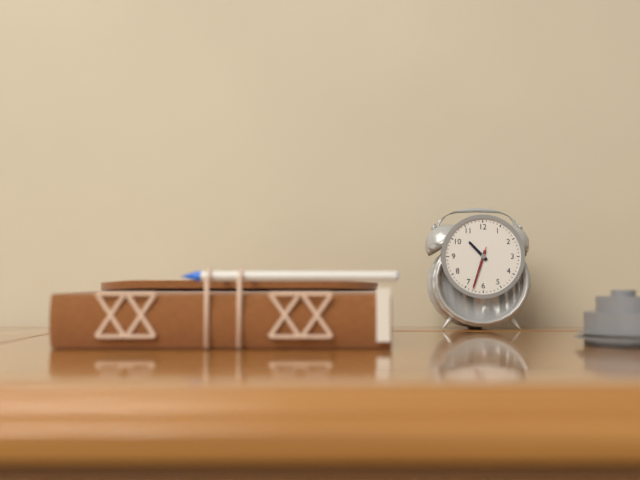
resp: 10,33
